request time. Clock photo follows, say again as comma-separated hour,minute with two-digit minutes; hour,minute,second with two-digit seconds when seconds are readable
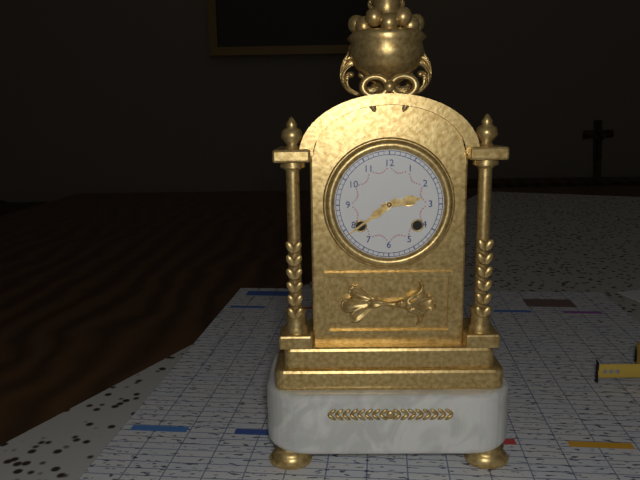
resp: 2,39
